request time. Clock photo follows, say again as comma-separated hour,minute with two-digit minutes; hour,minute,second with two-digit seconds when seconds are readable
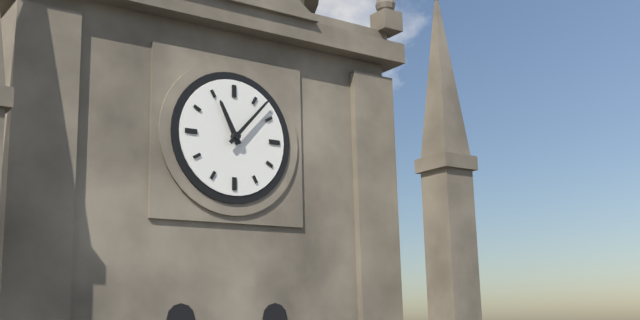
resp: 11,07
